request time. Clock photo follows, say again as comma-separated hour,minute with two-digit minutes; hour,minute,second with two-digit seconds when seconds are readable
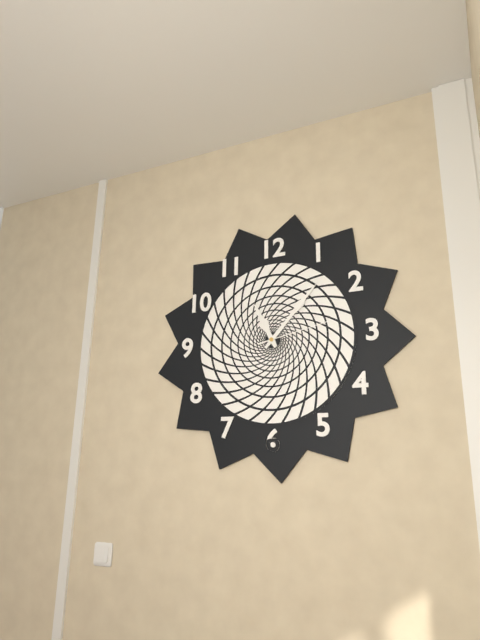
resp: 11,07,13
